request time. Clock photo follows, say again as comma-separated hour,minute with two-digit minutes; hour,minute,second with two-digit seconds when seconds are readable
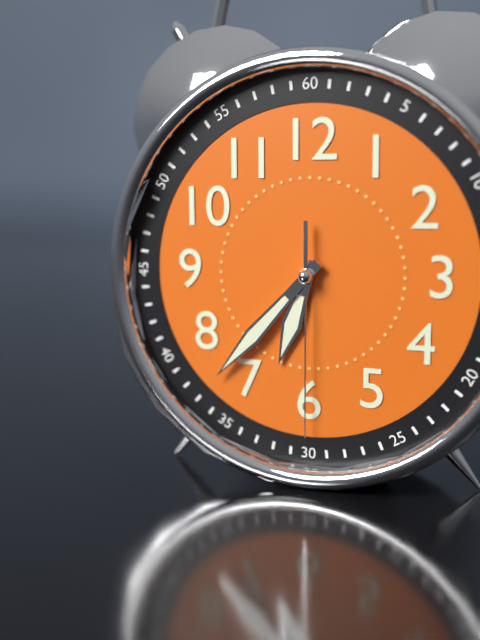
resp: 6,37,30
